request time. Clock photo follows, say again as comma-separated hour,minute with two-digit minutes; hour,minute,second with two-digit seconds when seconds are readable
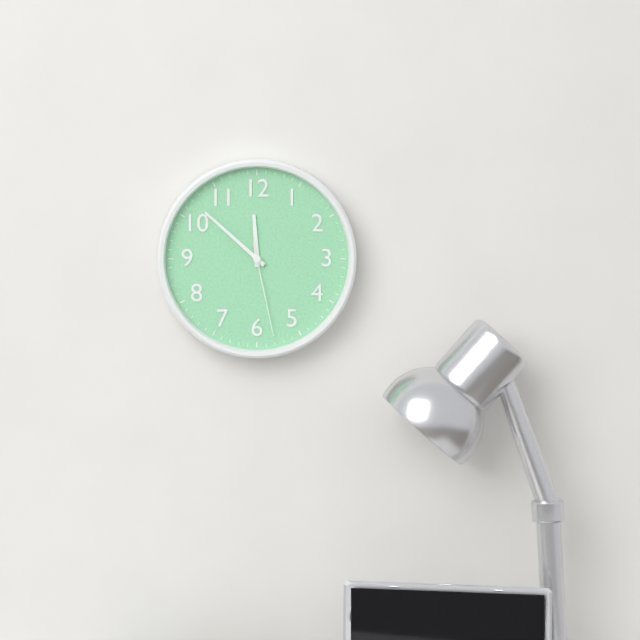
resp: 11,52,28
